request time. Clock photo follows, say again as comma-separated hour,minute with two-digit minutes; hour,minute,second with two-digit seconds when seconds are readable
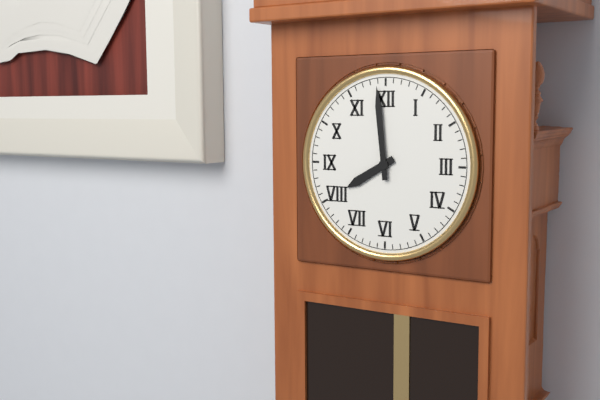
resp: 7,59
